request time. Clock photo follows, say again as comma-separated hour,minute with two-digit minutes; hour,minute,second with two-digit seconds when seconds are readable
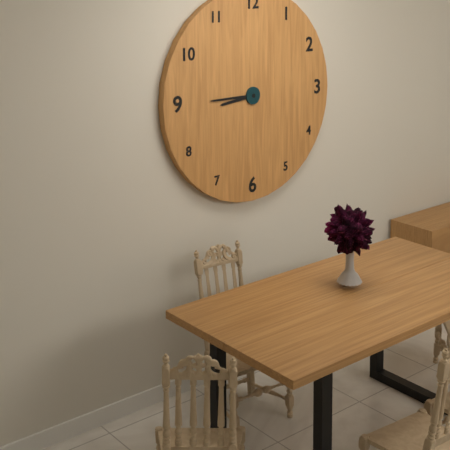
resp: 8,45
